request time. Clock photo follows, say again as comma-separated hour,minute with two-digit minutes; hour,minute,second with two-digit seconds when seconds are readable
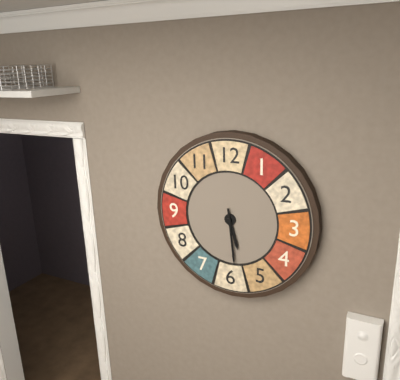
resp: 5,29
